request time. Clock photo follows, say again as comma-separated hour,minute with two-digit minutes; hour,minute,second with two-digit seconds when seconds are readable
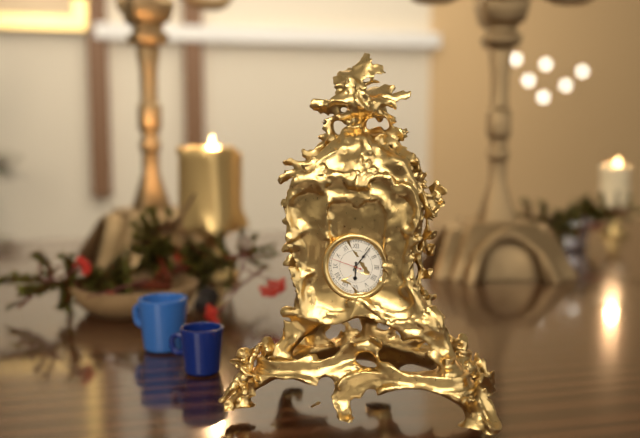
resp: 6,06
